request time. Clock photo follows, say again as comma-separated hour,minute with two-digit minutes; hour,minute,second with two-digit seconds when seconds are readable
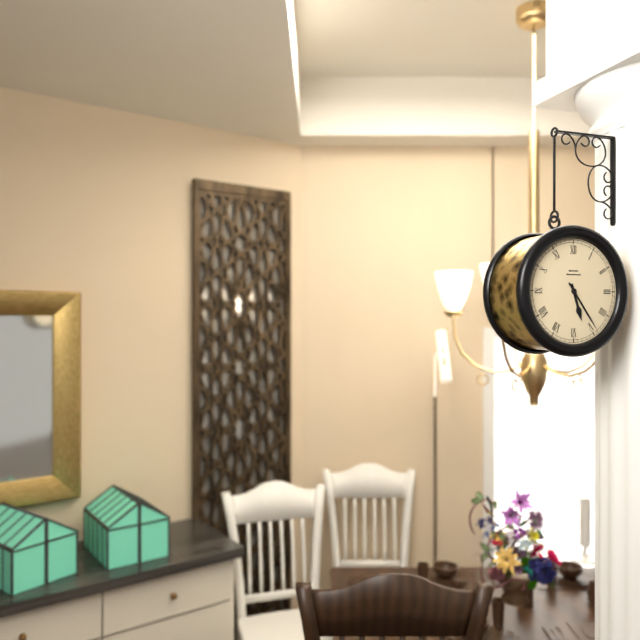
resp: 5,24
